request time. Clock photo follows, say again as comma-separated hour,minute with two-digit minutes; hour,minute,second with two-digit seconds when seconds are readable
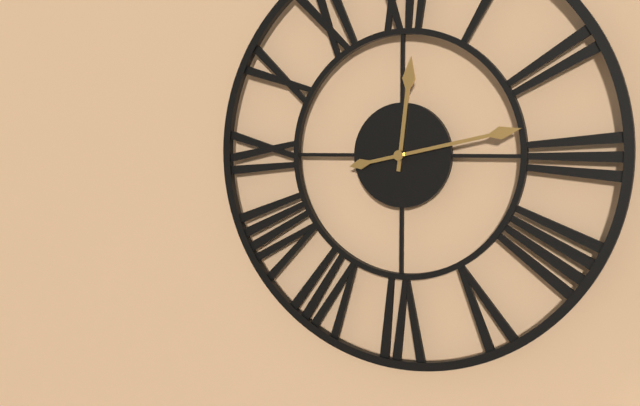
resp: 12,13
